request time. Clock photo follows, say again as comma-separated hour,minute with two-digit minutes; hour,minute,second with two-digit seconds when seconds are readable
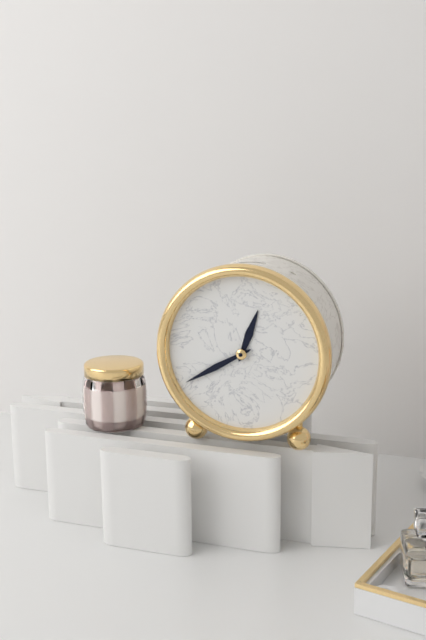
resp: 12,40
